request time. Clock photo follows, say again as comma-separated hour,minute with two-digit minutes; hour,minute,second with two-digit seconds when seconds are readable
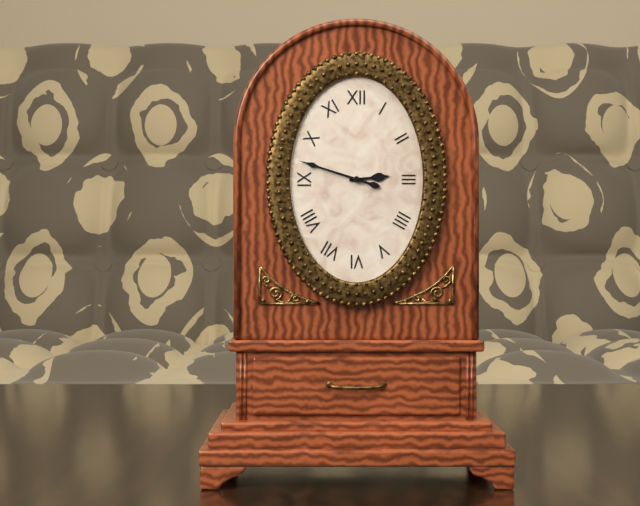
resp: 2,48
